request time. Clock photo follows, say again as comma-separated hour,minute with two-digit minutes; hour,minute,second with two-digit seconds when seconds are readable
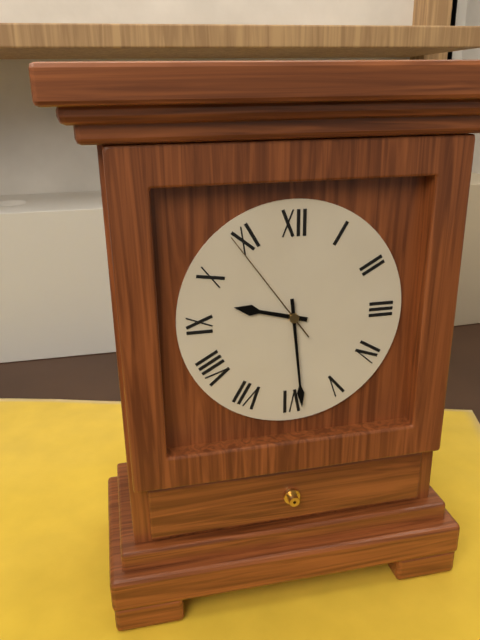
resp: 9,29,54
